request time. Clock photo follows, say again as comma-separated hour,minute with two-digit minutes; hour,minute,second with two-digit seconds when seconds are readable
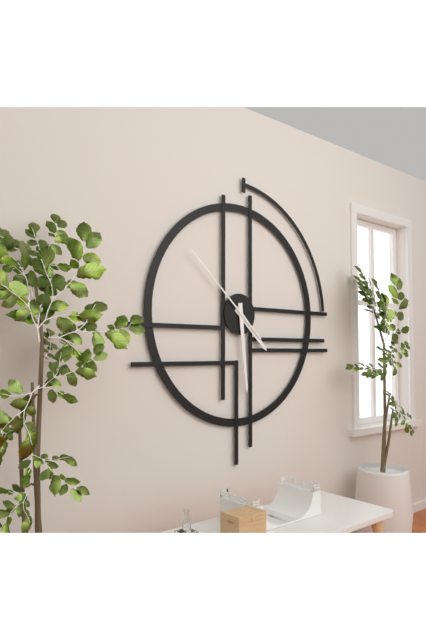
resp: 4,29,52
